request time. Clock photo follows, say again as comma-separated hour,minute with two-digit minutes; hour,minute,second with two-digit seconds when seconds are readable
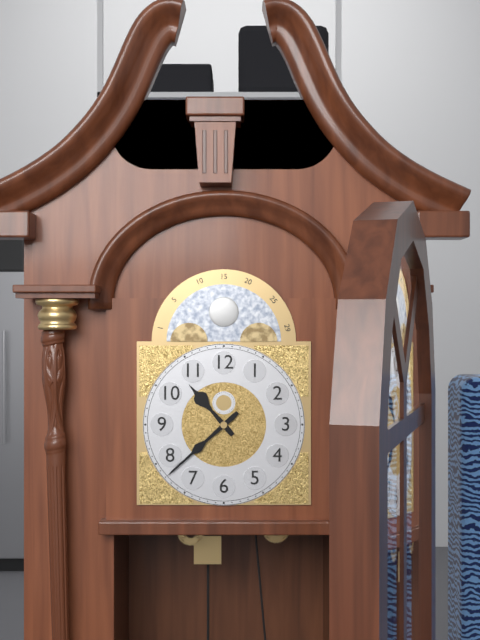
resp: 10,38
